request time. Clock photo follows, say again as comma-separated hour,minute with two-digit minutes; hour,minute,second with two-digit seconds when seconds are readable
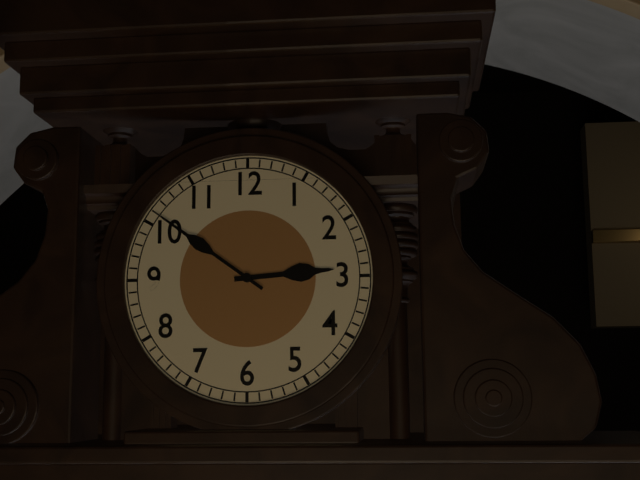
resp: 2,51
